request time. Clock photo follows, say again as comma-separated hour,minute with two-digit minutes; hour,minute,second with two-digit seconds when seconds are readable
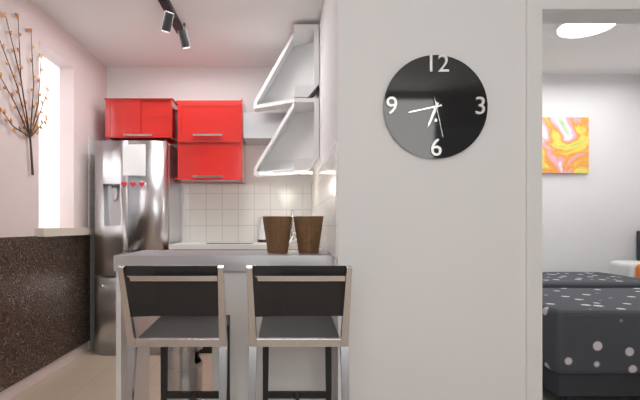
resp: 6,43
